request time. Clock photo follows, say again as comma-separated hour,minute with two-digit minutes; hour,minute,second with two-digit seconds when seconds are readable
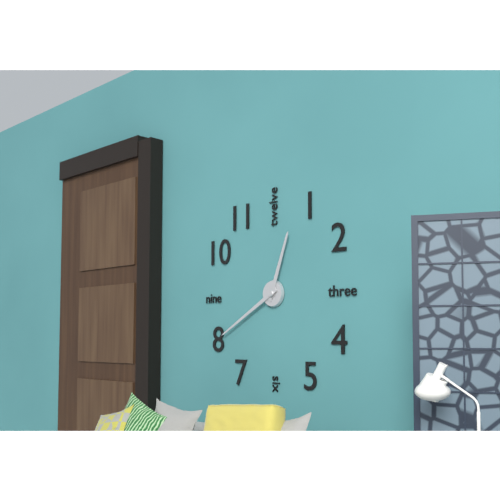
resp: 12,40
